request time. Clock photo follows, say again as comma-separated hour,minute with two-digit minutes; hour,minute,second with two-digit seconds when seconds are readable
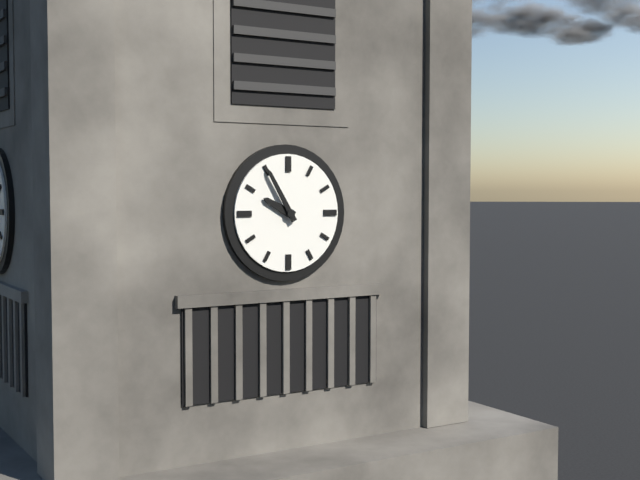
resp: 9,55
